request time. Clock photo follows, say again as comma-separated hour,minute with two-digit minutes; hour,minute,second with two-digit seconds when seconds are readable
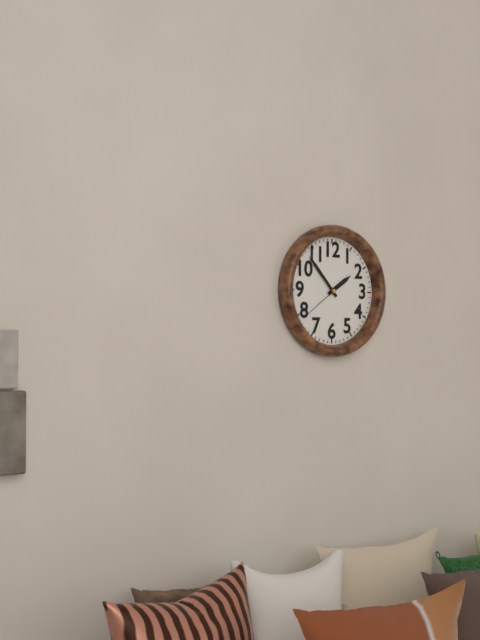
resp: 1,53
